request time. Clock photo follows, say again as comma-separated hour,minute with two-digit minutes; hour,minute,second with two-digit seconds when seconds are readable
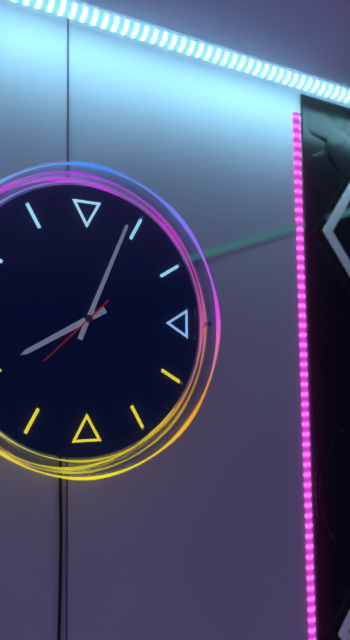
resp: 8,04,38
